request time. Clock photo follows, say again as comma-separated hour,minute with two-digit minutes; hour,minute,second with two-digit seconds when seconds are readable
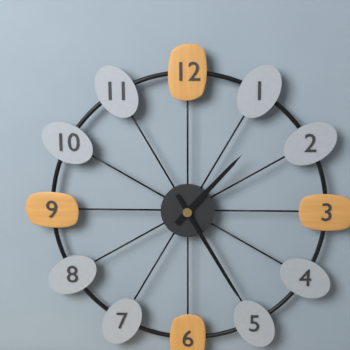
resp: 1,25
